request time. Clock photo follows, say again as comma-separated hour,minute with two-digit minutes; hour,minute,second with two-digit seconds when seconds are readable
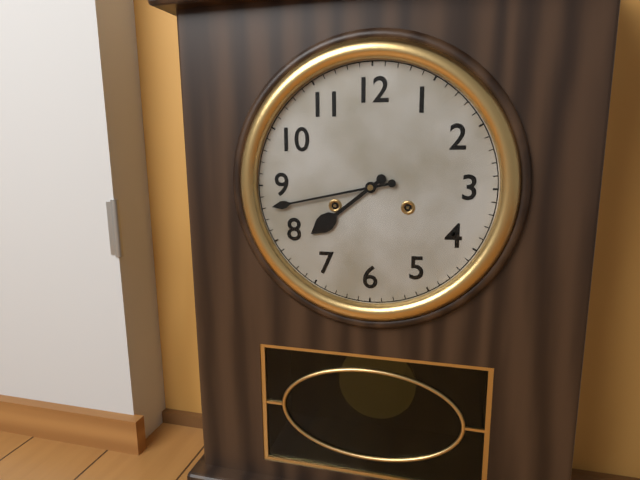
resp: 7,43
